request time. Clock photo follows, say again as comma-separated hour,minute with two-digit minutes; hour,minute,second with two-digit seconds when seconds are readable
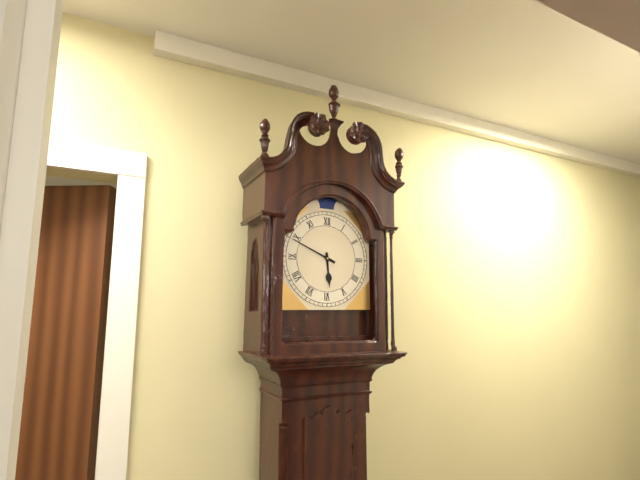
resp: 5,49
